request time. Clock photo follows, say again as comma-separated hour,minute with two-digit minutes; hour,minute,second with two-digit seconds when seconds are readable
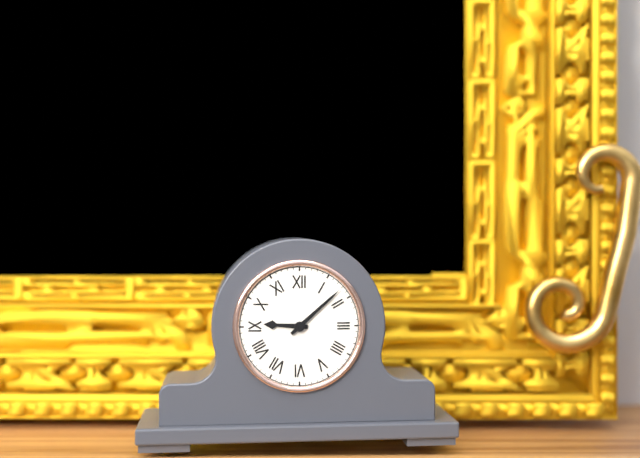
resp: 9,08
